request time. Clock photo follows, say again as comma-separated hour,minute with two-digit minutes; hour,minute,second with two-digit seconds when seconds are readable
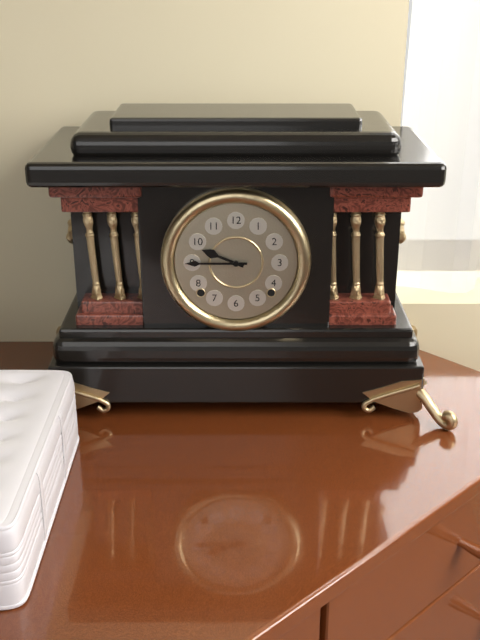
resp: 9,45
